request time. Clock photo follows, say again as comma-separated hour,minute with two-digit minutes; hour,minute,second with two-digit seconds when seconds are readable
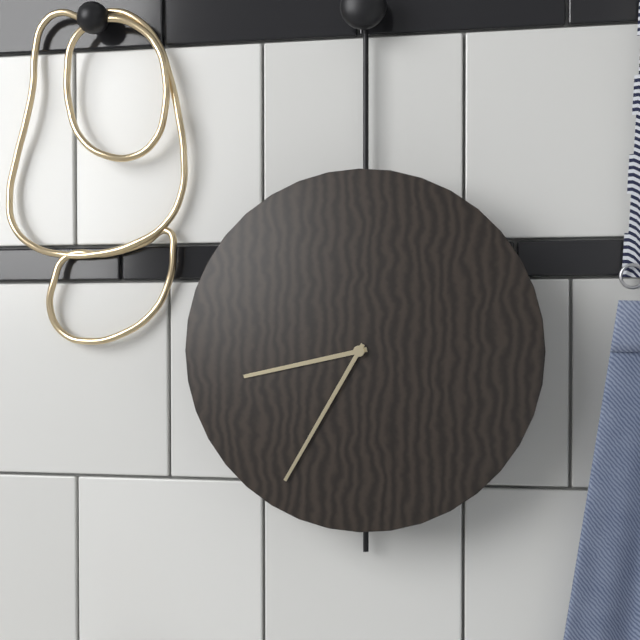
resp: 8,35
